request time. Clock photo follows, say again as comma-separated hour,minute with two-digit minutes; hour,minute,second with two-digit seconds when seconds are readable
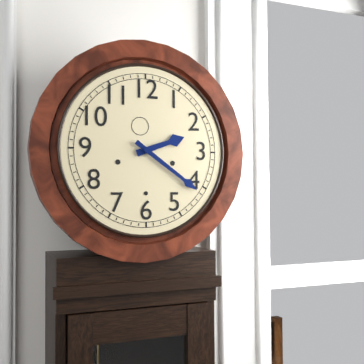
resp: 2,21
